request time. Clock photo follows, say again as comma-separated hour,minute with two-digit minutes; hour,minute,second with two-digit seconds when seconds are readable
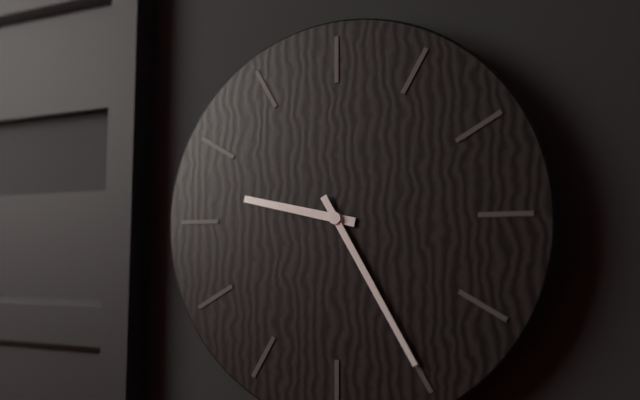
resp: 9,25
